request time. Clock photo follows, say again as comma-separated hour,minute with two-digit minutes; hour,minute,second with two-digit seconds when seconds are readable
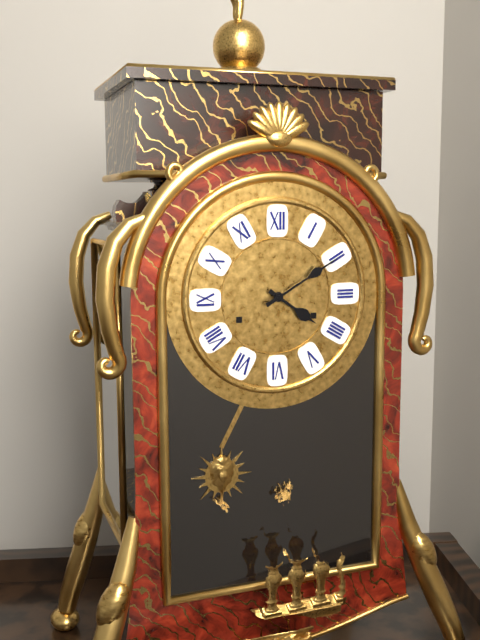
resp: 4,10
